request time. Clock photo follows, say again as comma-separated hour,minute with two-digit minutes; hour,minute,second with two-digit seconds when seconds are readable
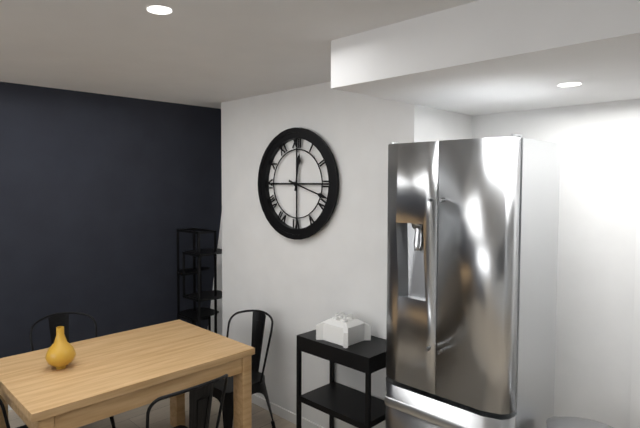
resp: 12,18
